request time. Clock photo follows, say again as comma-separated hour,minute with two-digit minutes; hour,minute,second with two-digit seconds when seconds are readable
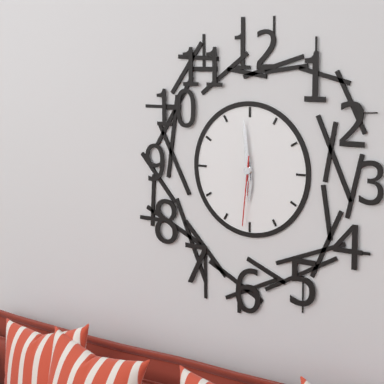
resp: 5,59,31
